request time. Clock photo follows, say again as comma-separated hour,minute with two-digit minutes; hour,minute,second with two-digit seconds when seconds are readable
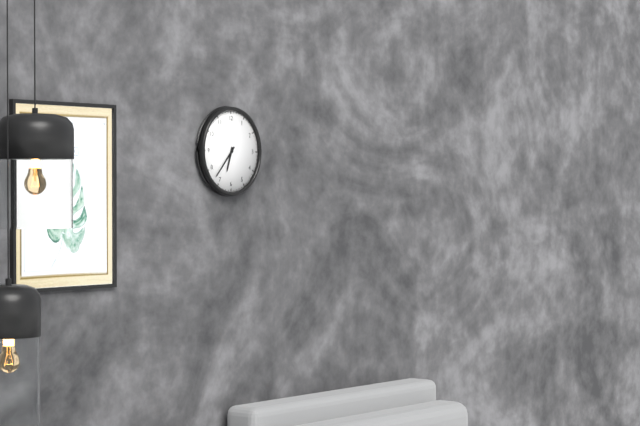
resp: 6,37
